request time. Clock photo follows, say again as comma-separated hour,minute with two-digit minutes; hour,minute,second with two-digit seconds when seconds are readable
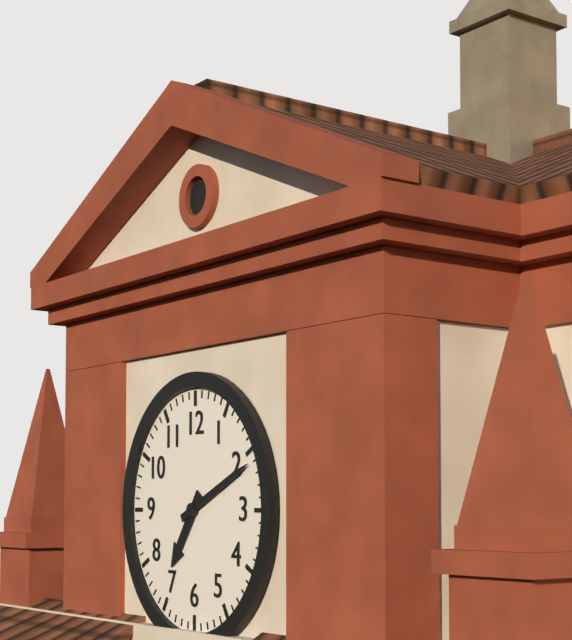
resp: 7,11
